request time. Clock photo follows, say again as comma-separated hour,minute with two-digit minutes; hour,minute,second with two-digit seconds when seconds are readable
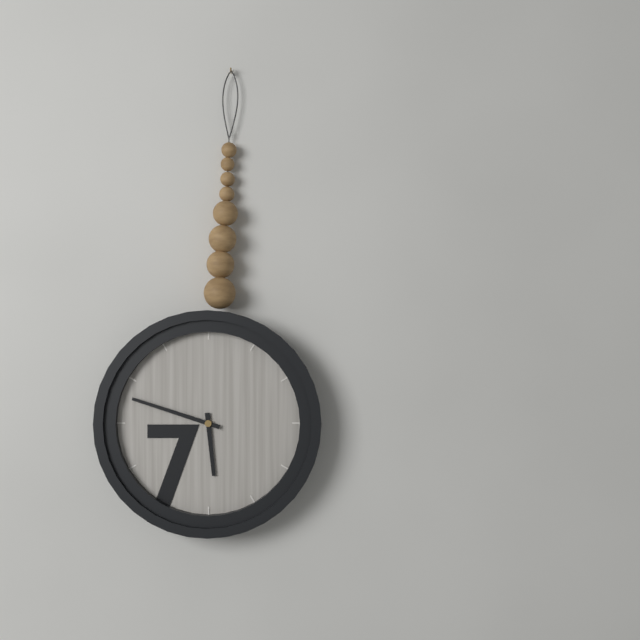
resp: 5,48
